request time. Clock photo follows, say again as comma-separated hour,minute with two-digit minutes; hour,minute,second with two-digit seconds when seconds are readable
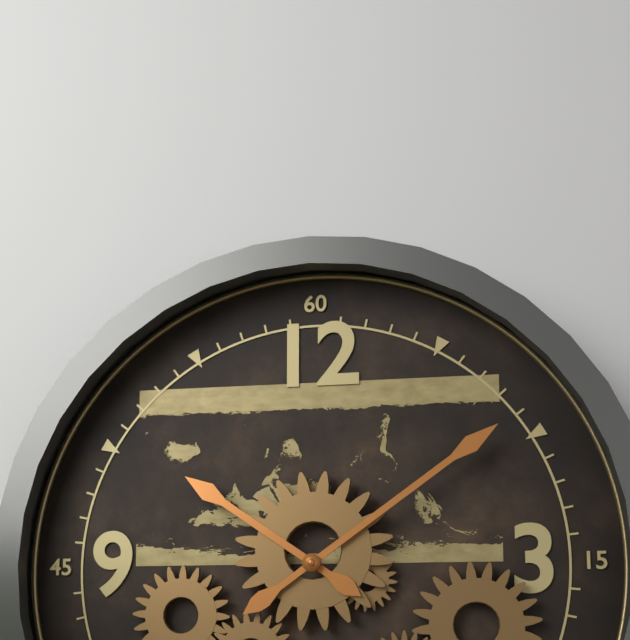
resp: 10,09
